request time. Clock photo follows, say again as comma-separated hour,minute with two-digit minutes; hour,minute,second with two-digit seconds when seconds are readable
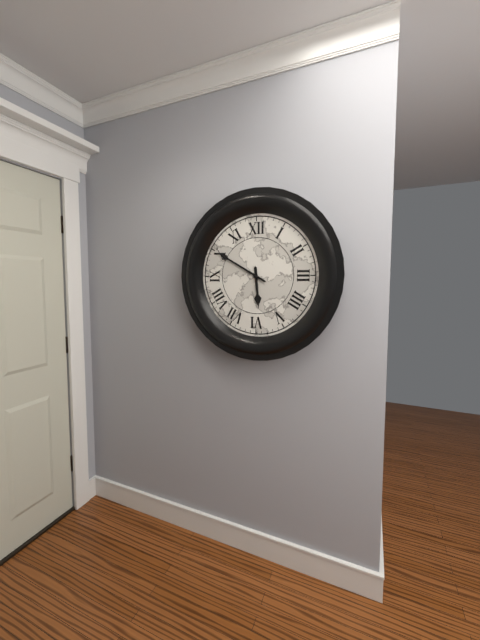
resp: 5,50
